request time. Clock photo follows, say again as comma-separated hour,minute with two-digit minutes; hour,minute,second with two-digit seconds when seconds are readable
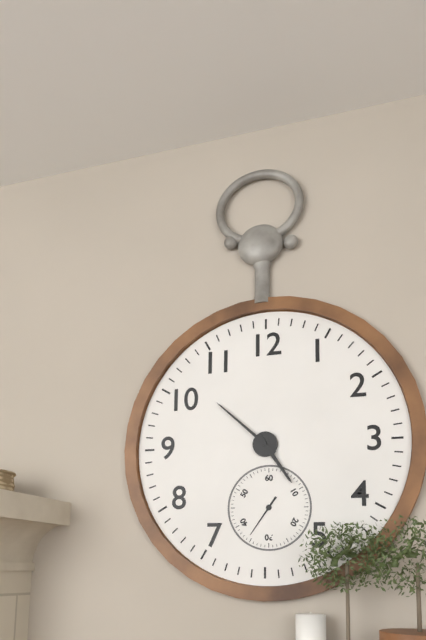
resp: 4,52
